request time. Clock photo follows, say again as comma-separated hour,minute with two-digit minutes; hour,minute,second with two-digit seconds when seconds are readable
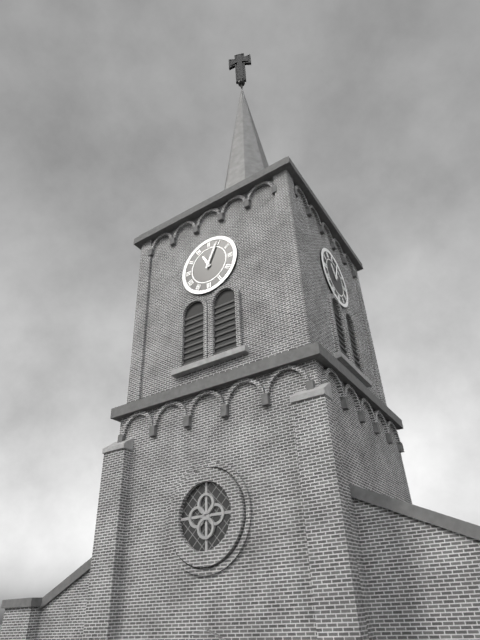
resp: 11,04
